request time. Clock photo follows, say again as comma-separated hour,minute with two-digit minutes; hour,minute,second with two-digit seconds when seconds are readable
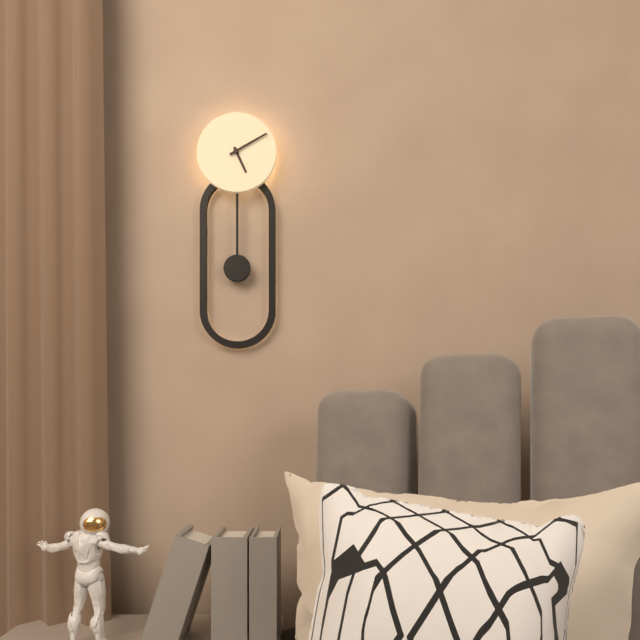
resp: 5,10
